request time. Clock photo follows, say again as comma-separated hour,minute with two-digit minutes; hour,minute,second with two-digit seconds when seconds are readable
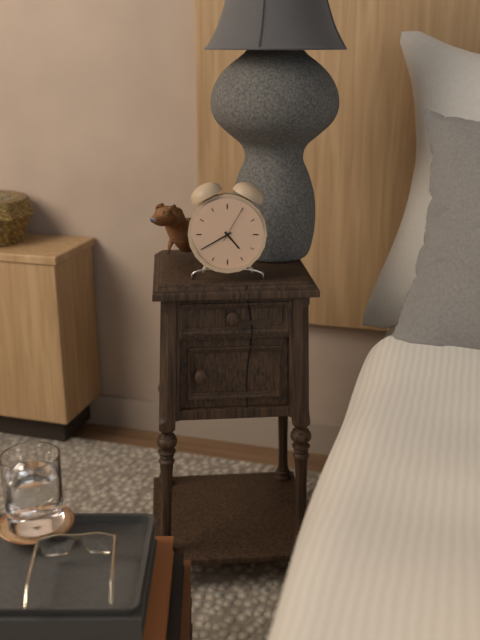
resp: 4,40
